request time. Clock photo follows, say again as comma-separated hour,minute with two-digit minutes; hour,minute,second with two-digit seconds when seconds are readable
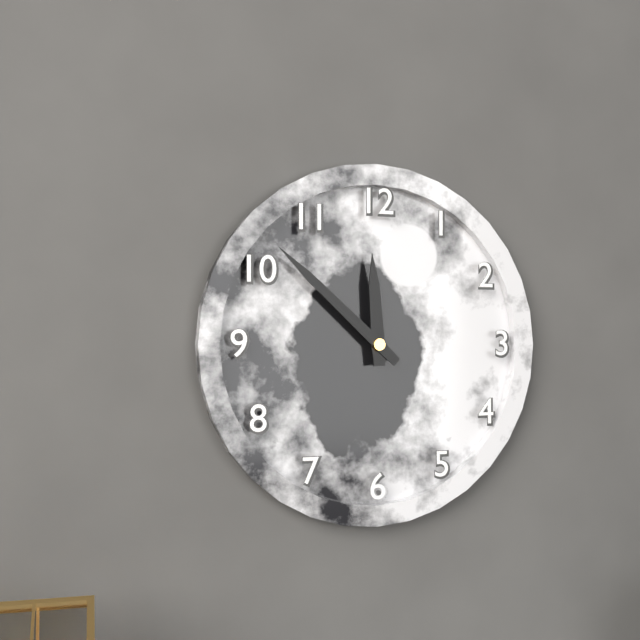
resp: 11,52
